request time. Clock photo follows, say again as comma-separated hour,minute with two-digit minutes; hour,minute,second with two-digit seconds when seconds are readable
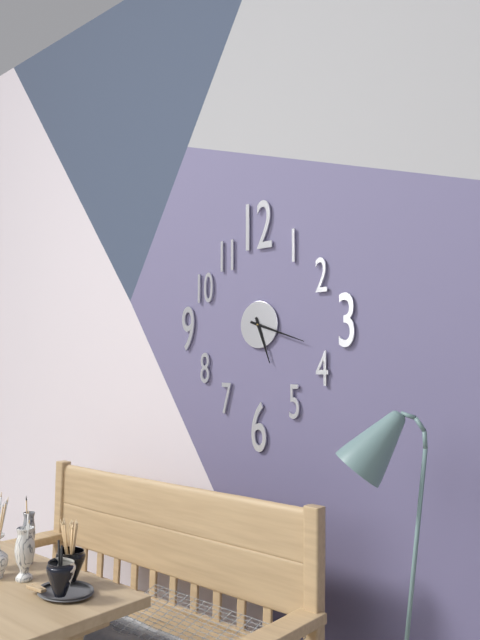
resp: 5,18
